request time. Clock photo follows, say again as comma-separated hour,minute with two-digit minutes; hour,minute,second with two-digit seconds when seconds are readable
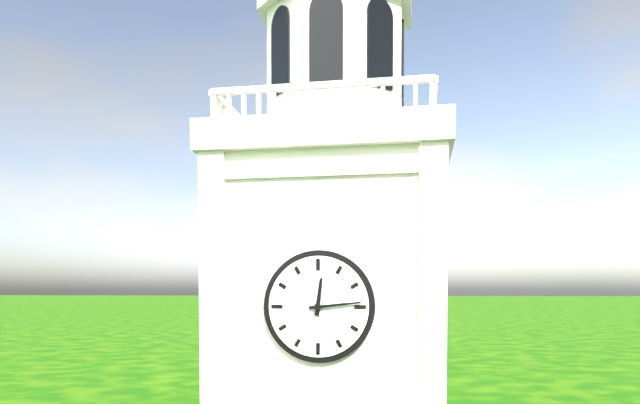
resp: 12,14
